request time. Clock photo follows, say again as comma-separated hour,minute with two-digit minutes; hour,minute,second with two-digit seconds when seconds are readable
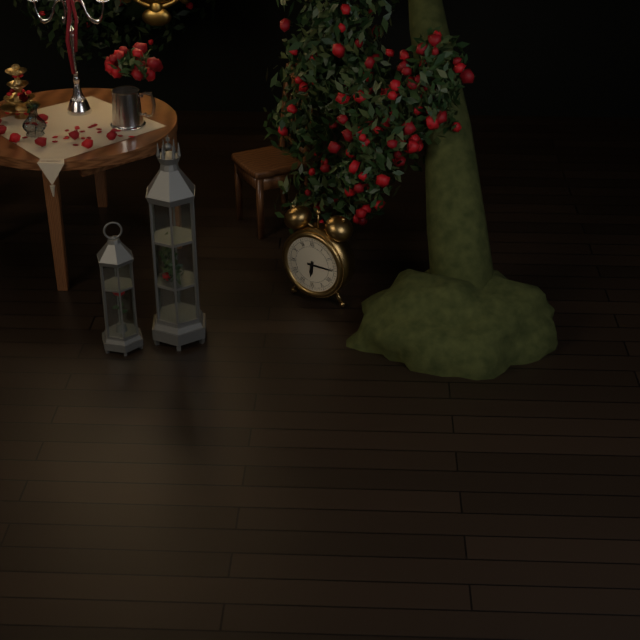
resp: 6,15
